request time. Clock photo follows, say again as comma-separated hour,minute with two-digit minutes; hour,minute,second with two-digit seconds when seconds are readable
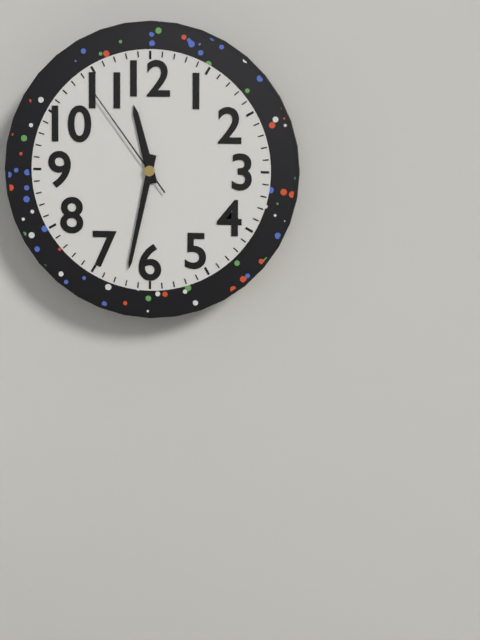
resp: 11,32,54
